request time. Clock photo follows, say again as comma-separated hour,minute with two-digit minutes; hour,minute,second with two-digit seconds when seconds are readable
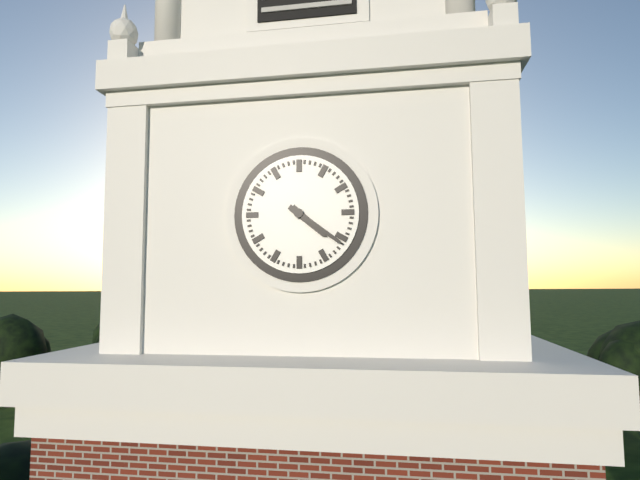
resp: 4,21
